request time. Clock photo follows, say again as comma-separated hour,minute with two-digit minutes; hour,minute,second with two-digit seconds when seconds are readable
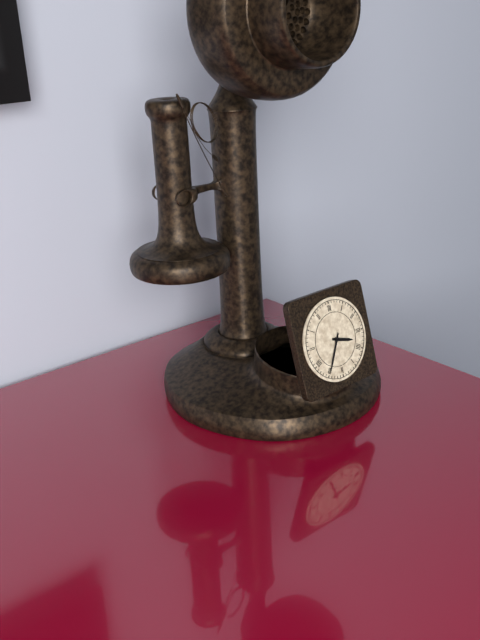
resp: 3,35
